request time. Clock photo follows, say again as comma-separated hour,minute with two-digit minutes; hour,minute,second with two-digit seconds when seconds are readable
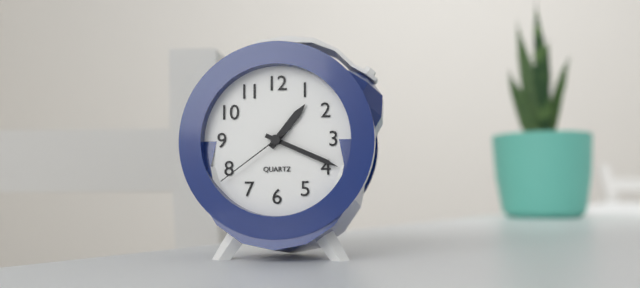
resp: 1,19,39
